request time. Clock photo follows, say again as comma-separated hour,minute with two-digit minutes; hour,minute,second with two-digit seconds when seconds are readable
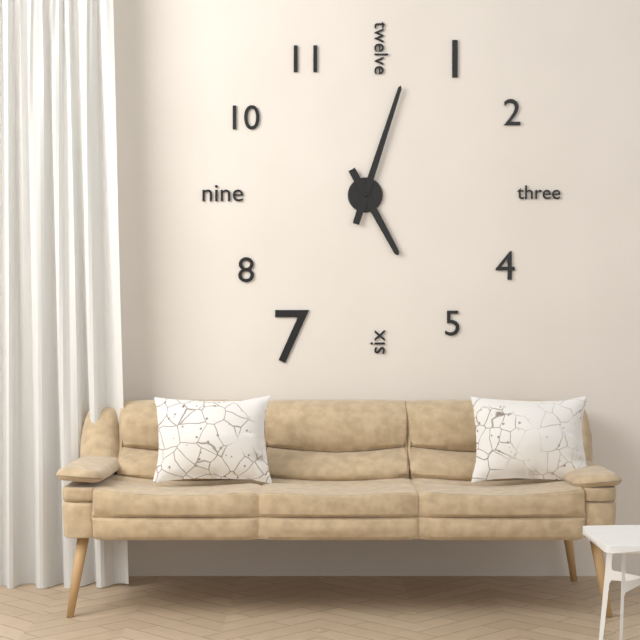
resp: 5,03
